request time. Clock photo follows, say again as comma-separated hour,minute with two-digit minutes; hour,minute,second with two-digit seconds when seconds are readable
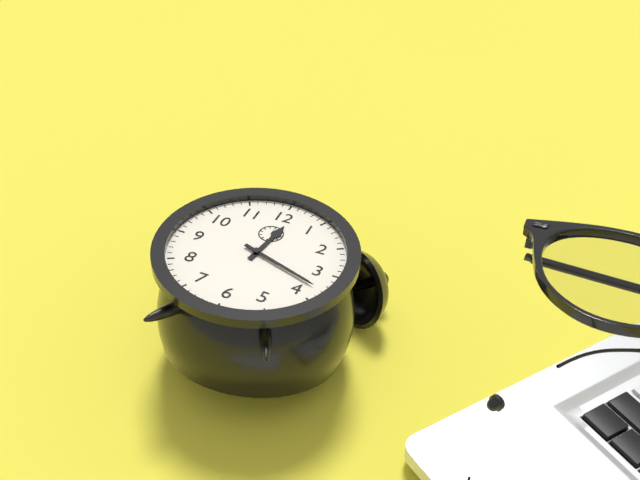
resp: 12,18
